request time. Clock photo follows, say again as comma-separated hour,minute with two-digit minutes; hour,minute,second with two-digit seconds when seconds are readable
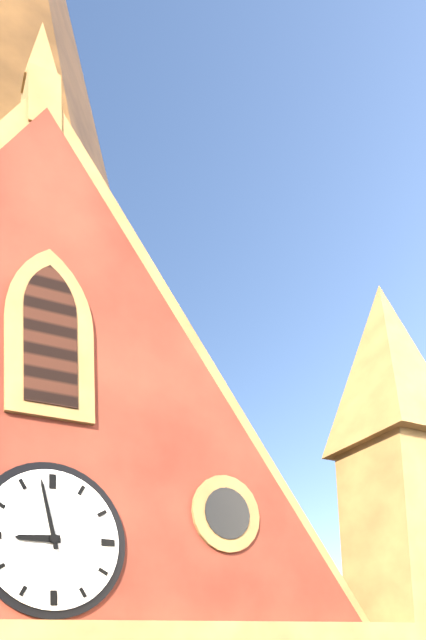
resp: 8,58
